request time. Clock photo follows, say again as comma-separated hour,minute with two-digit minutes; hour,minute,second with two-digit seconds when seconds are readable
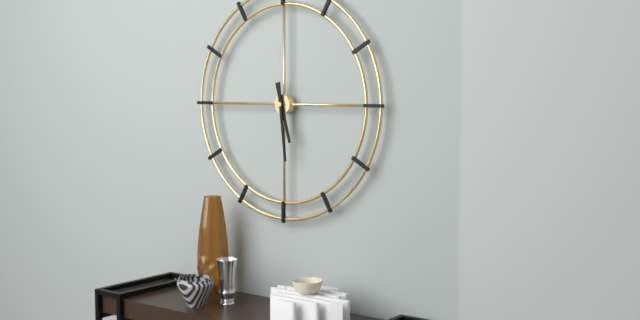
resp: 5,29
